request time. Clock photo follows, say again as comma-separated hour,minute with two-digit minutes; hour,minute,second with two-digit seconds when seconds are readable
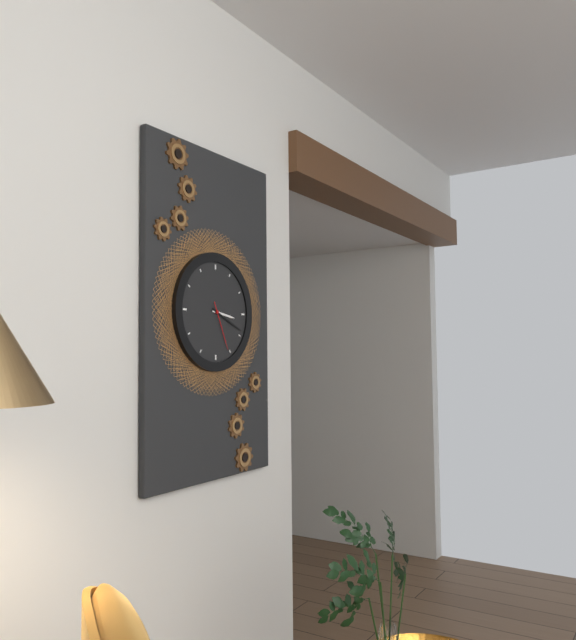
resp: 3,19,26
